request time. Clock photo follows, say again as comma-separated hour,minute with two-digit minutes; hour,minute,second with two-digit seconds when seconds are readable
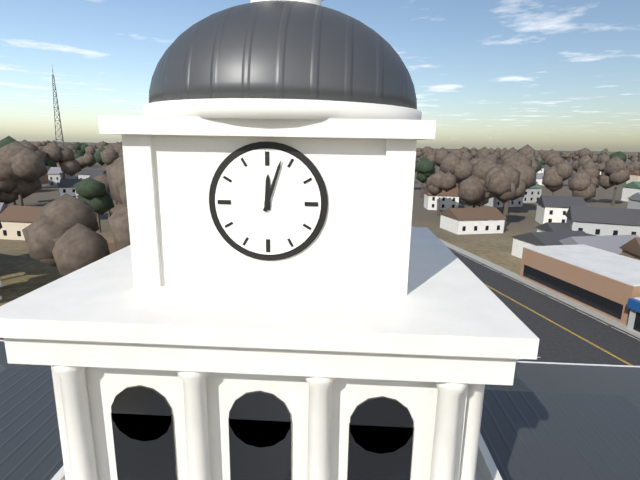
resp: 12,03
